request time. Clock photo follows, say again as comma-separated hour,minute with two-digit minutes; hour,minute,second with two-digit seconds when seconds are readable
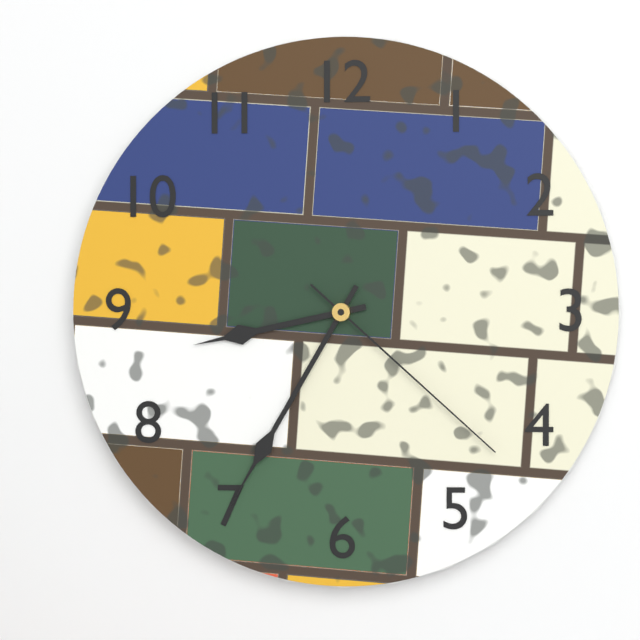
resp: 8,35,22
